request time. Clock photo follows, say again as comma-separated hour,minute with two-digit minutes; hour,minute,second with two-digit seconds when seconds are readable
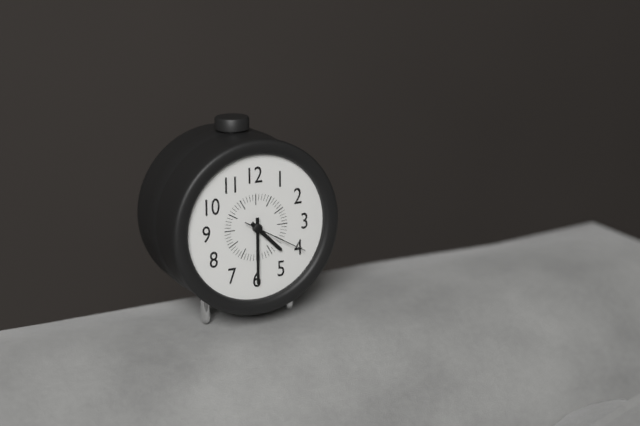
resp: 4,30,20
